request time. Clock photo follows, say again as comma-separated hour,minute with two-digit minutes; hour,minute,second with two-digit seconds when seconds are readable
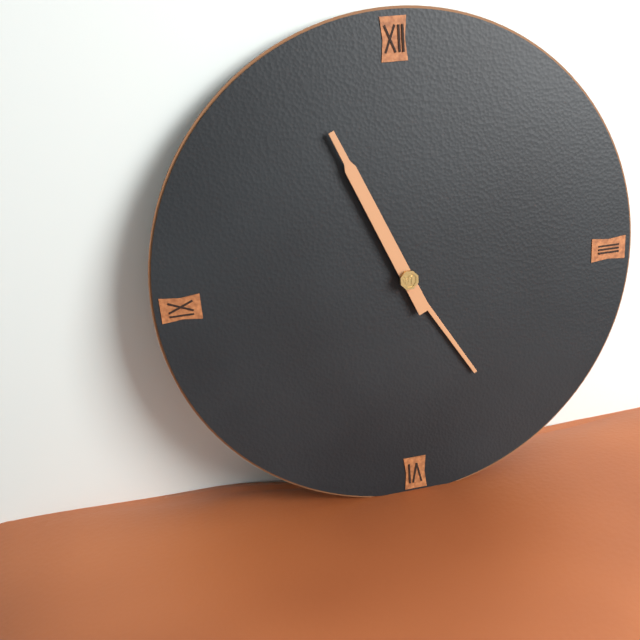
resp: 4,56
